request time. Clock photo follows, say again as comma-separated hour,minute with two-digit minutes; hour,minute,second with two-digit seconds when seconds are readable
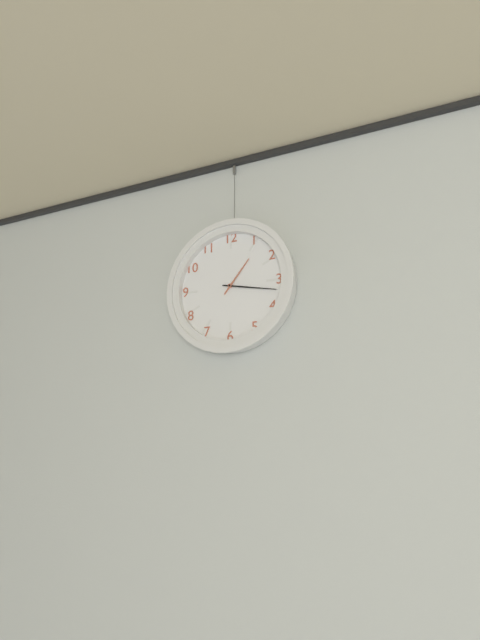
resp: 1,17
